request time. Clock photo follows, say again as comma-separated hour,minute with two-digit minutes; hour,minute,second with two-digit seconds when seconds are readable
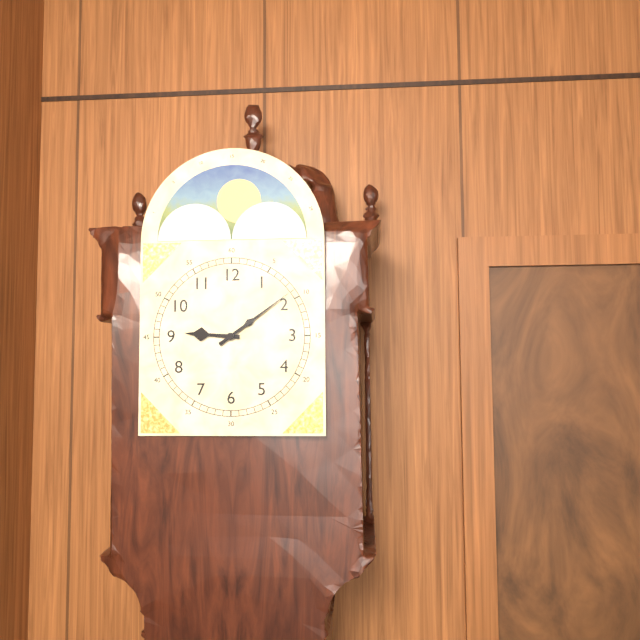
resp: 9,09
